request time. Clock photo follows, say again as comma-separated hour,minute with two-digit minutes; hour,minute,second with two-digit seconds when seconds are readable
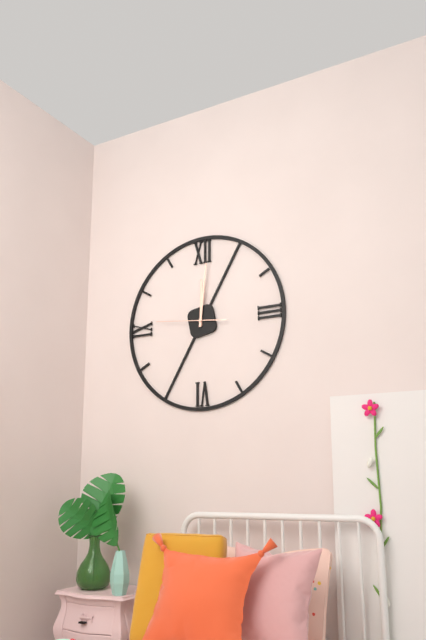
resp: 12,01,46
